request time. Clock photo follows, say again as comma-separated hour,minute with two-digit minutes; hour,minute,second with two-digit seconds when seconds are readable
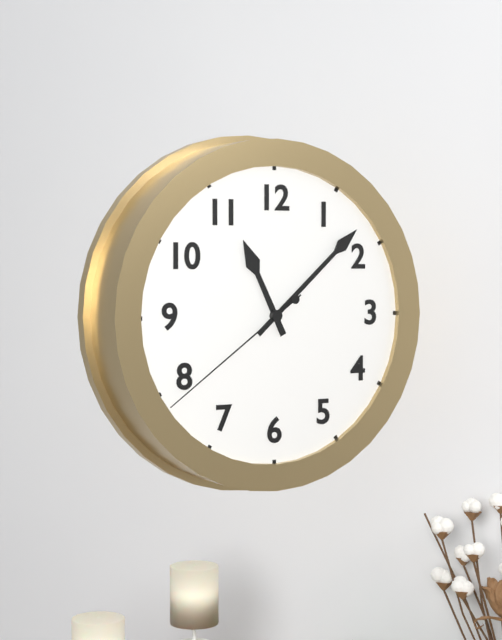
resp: 11,08,39
